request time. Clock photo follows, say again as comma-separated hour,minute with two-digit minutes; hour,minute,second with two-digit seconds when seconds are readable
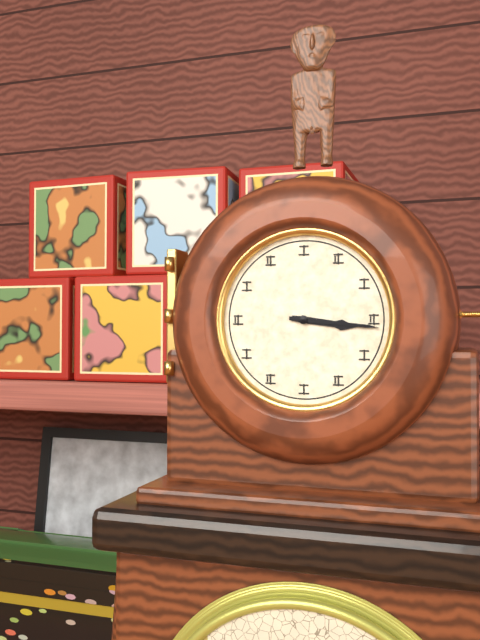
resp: 3,16
